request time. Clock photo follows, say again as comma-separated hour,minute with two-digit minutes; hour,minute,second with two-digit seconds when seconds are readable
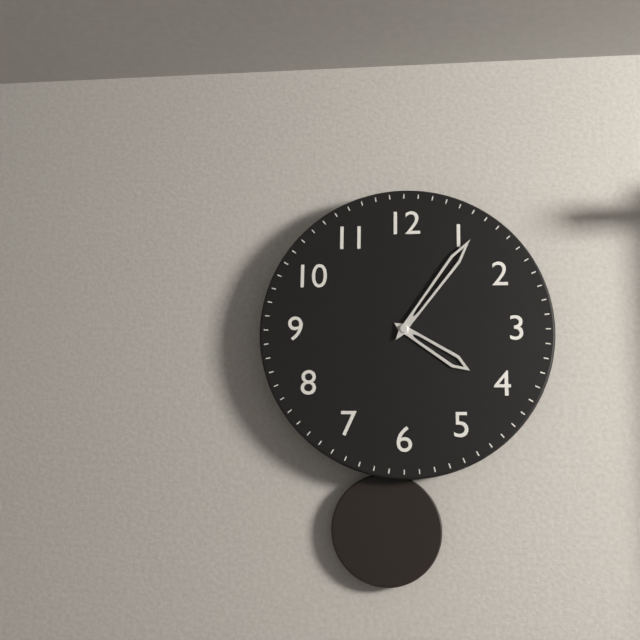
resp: 4,06
